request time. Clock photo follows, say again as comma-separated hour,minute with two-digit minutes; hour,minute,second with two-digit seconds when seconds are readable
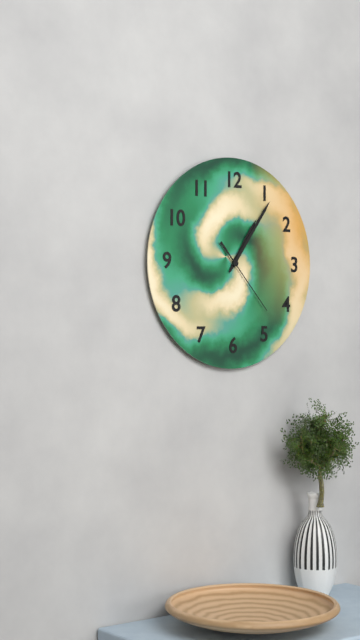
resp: 1,06,23
